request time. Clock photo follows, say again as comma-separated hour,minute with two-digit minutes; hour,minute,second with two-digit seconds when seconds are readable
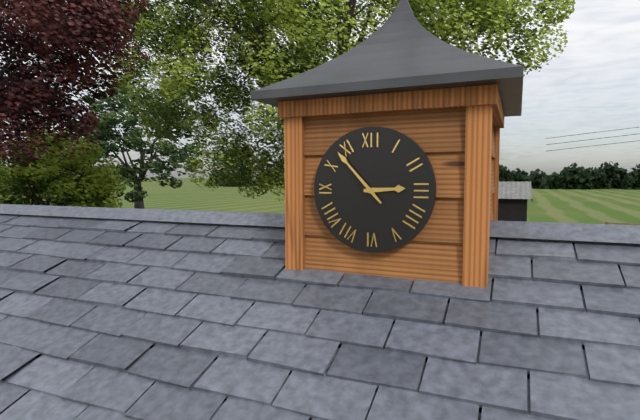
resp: 2,53
